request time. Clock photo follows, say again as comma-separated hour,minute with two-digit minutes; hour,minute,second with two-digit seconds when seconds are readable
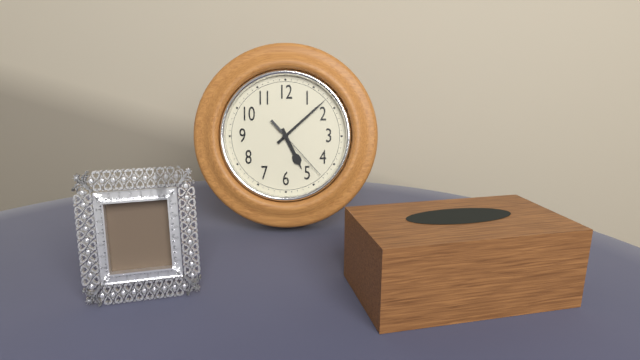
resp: 5,08,23
